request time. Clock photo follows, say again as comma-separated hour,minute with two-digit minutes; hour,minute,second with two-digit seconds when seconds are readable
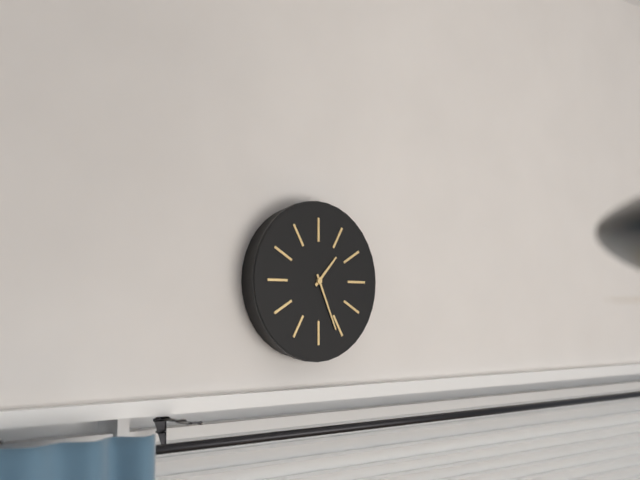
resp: 1,26
